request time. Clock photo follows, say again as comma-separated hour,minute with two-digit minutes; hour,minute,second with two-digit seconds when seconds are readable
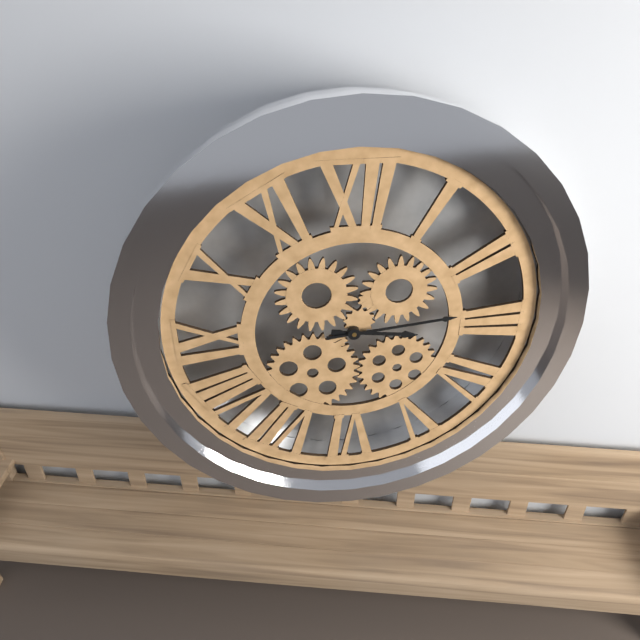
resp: 3,14
